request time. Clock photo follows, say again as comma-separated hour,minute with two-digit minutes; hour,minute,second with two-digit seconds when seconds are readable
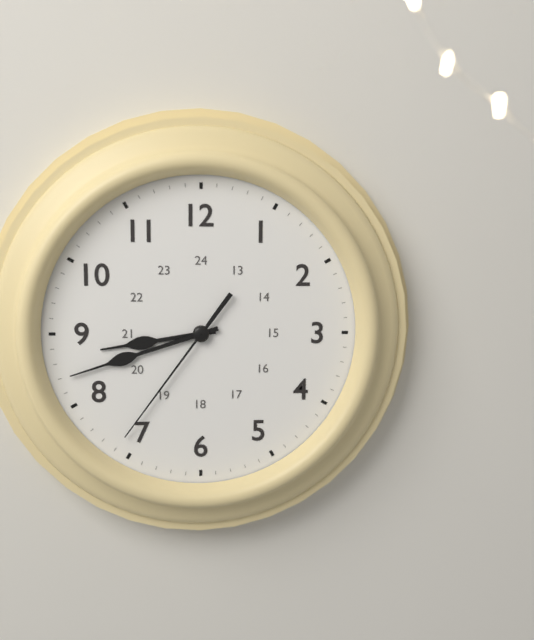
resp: 8,42,36
